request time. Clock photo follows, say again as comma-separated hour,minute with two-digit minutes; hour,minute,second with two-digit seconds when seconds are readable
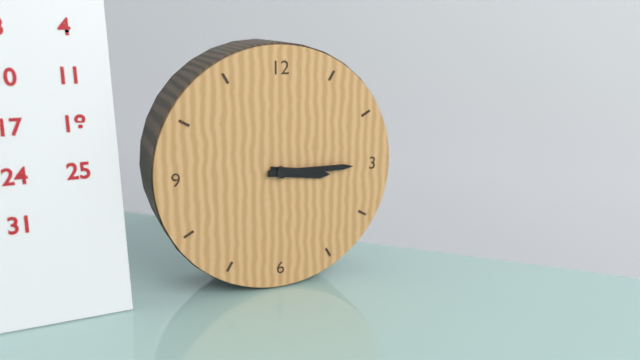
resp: 3,15
